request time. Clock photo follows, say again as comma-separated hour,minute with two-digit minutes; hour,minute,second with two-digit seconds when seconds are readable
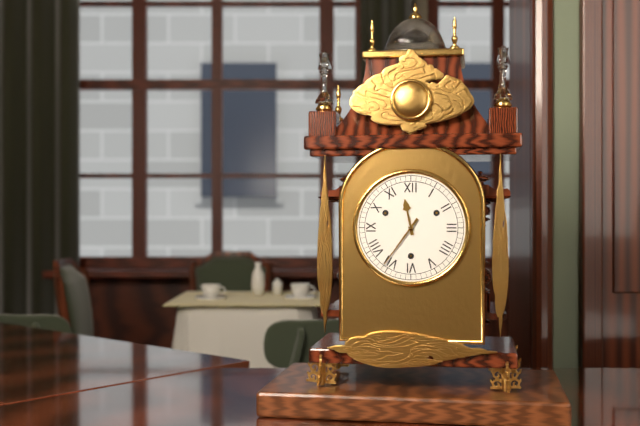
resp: 11,36
